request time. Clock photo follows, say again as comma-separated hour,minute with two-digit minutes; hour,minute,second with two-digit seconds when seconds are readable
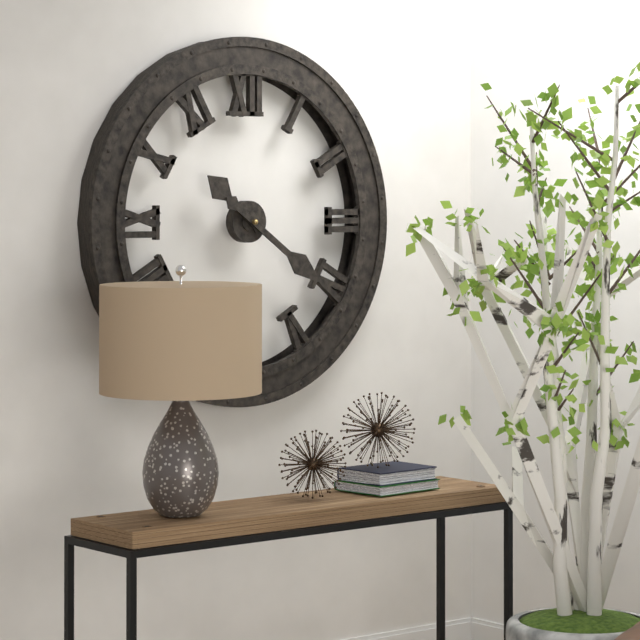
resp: 10,21
